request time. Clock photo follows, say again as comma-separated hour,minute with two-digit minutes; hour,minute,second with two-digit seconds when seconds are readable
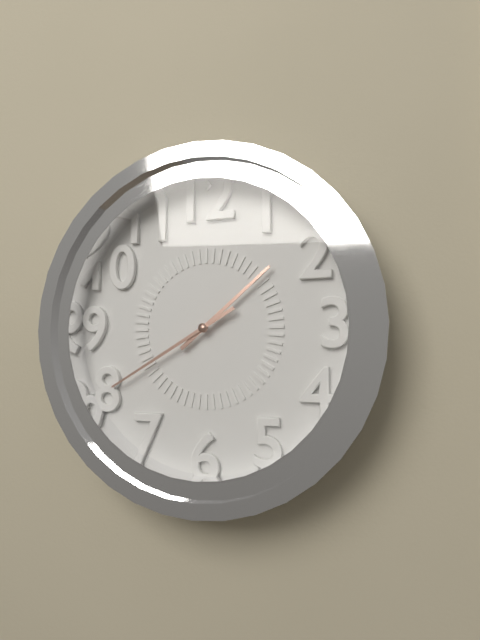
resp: 1,40
